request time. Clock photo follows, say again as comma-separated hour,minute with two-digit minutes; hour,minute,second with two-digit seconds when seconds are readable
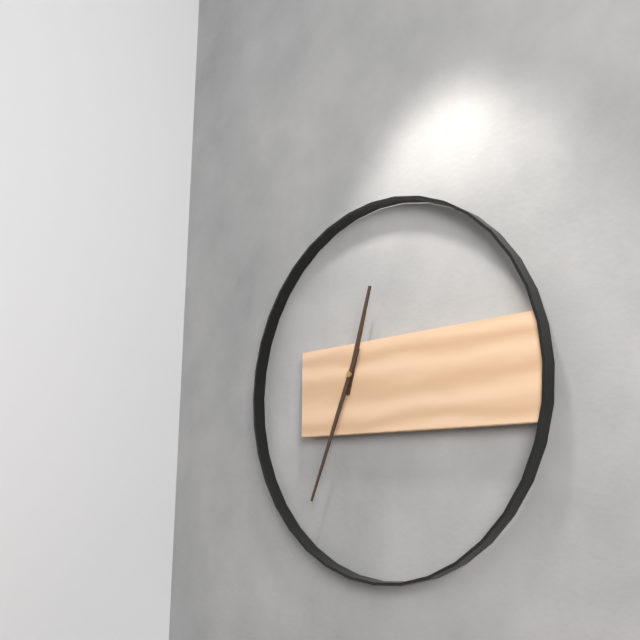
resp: 12,34
